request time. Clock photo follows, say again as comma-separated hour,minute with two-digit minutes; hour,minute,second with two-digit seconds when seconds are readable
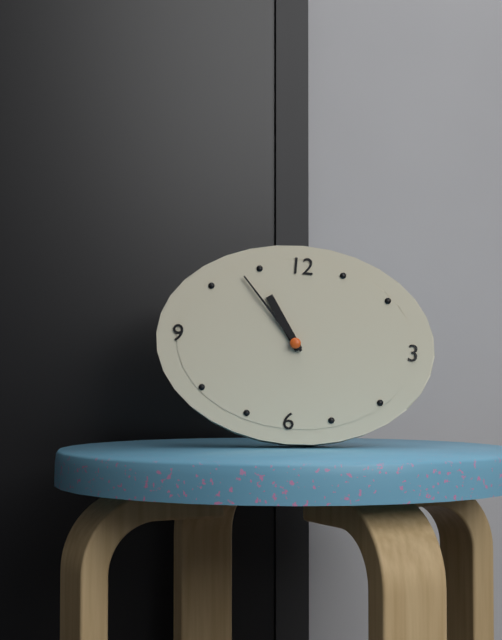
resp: 10,53
